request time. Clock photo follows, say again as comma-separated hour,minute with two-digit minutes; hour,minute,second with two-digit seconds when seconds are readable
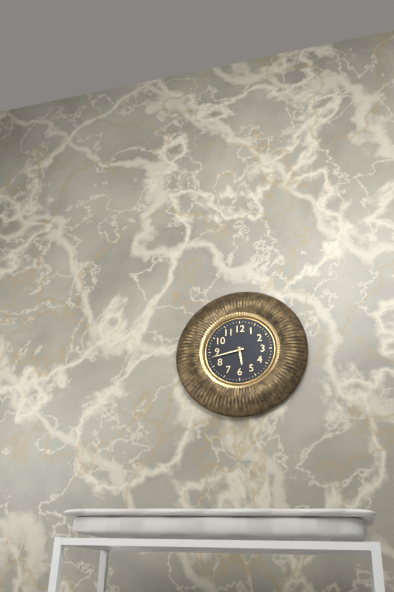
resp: 5,43
